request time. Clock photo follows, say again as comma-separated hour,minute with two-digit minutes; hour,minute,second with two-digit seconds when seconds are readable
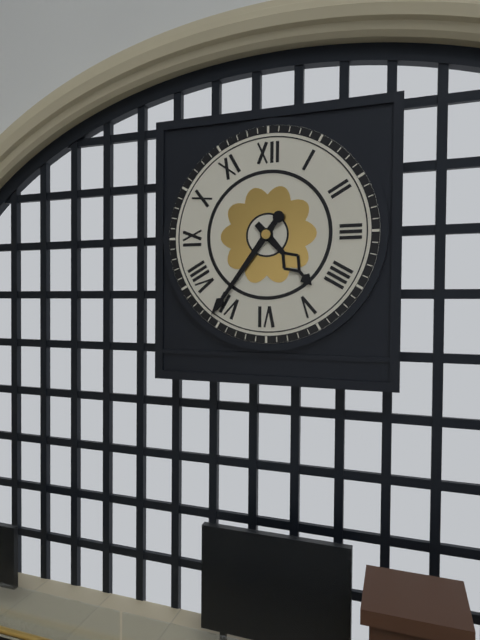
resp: 4,36
